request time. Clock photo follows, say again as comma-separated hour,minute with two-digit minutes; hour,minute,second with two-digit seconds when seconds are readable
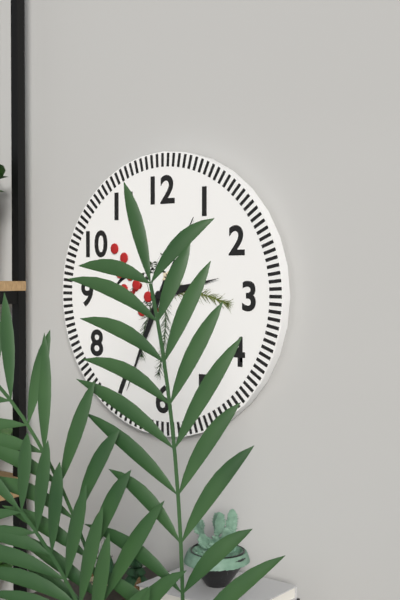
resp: 2,34
